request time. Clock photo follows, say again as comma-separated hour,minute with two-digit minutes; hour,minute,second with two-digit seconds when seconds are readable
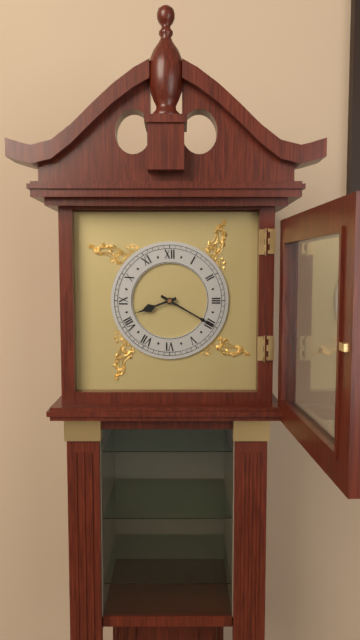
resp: 8,20
